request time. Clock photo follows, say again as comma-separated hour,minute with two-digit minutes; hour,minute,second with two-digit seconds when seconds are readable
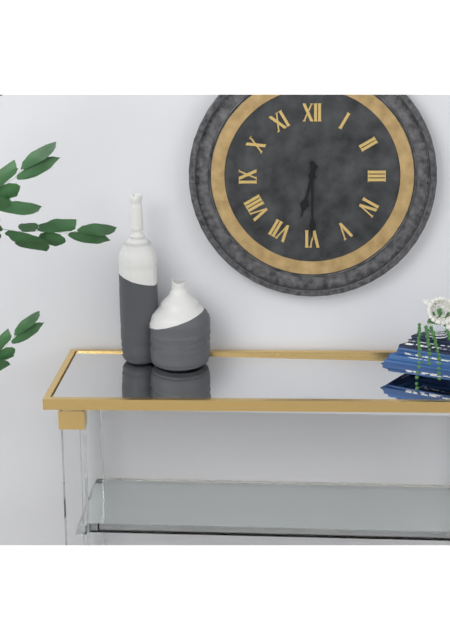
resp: 6,30
